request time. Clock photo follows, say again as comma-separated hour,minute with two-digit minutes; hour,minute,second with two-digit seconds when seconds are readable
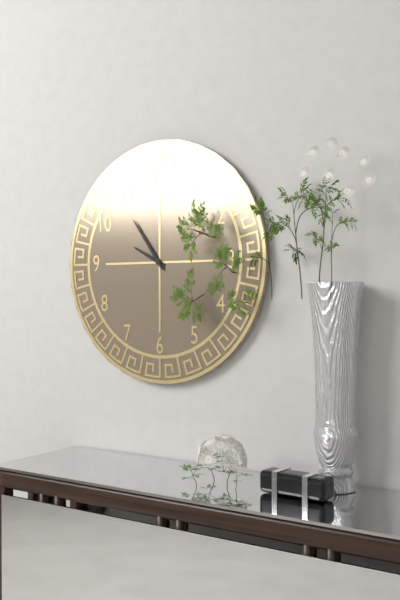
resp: 9,54
